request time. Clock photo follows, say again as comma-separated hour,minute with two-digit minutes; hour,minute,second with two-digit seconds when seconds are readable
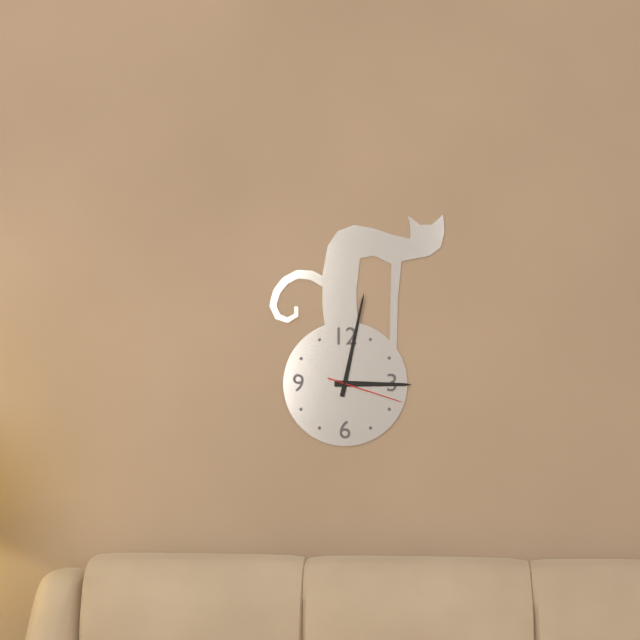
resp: 3,02,18
